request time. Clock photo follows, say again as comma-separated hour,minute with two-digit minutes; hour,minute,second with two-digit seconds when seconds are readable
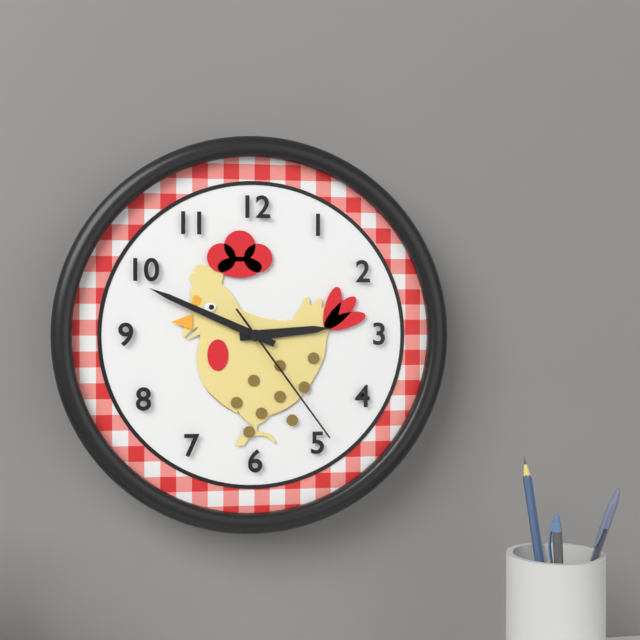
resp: 2,49,24
